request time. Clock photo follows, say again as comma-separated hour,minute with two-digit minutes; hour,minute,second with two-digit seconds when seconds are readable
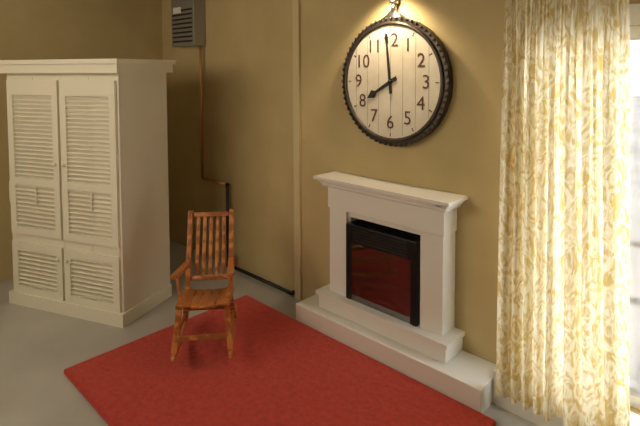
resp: 7,59
